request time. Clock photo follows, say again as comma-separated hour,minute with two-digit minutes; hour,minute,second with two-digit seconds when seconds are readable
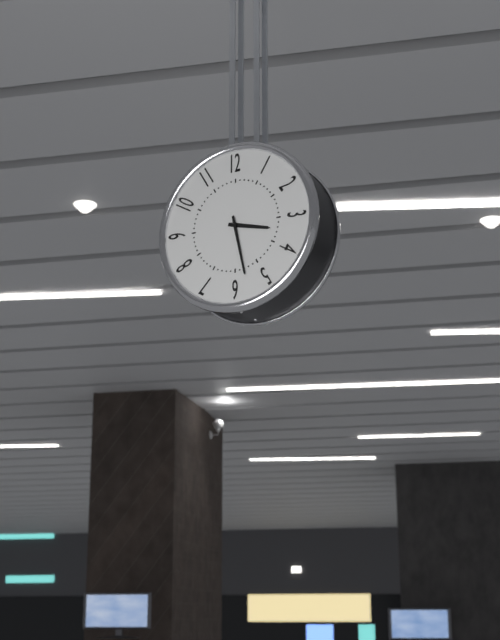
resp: 3,28
